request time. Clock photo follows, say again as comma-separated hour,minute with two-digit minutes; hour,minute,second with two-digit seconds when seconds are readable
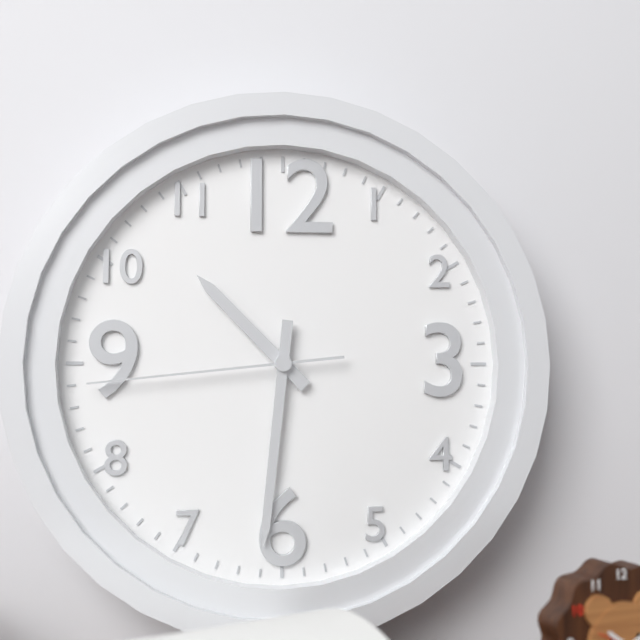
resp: 10,31,44
